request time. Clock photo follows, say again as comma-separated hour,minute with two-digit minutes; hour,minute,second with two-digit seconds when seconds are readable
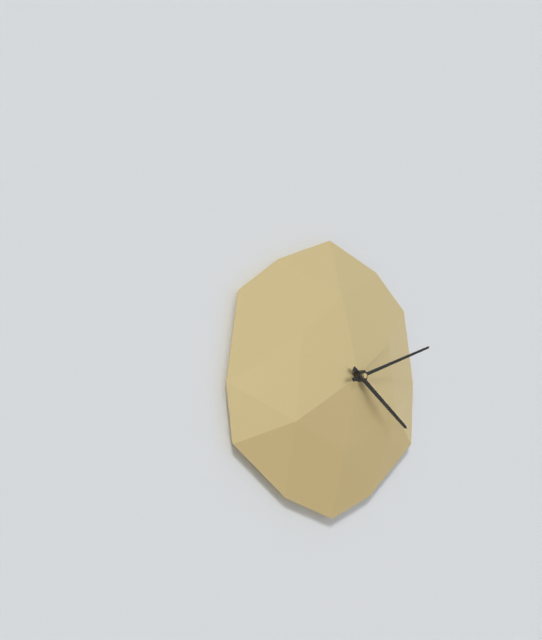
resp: 4,12
